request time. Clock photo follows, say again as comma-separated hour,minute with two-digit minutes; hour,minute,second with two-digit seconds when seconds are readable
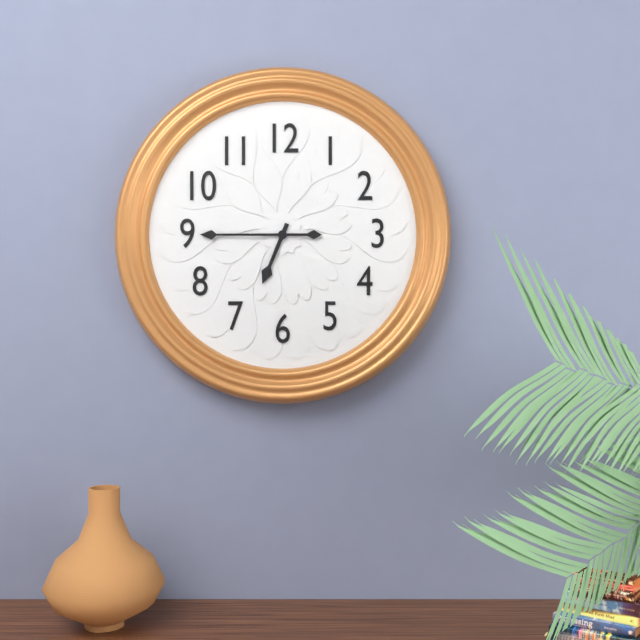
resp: 6,45
